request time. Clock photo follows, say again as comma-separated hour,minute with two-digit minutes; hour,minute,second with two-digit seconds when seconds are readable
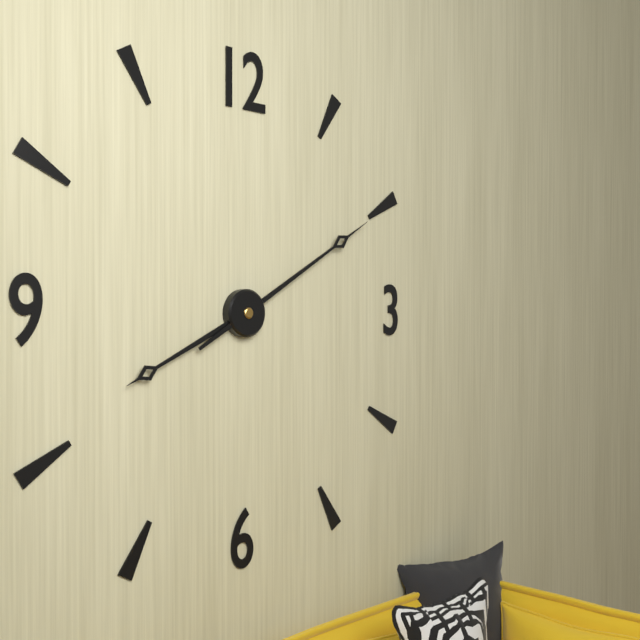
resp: 8,10
